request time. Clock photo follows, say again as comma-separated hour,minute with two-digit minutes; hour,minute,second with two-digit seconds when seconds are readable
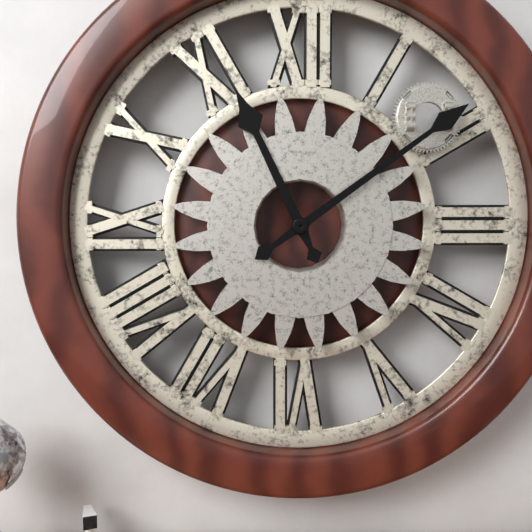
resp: 11,09
